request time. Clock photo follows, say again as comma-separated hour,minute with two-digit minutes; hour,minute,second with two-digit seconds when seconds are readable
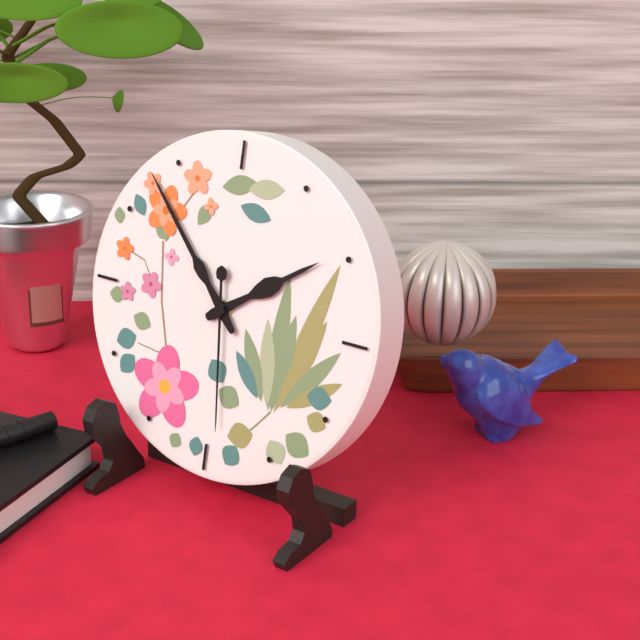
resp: 1,53,29
